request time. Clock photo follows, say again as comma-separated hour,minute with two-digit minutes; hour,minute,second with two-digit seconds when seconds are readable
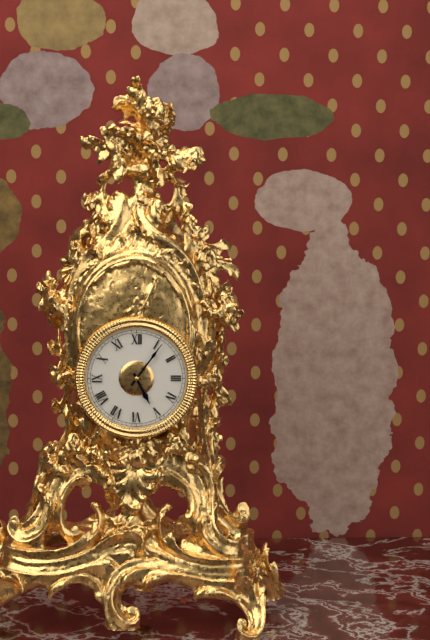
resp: 5,06
